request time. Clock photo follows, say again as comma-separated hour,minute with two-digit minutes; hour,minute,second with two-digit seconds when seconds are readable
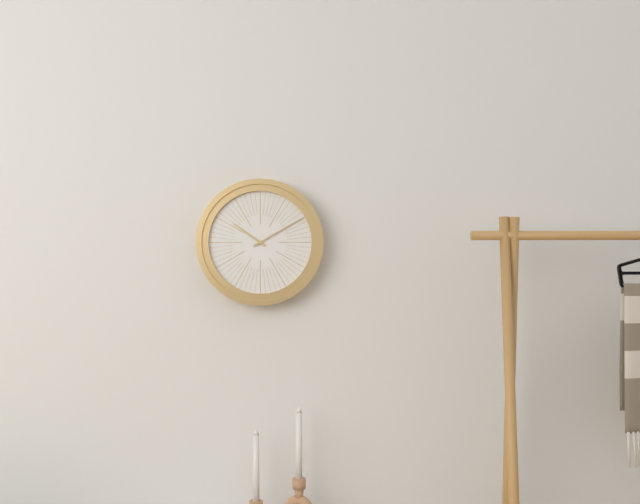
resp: 10,10
